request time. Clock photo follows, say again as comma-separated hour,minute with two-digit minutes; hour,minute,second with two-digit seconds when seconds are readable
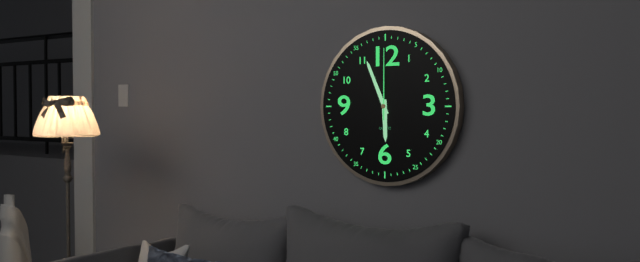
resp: 5,56,00
